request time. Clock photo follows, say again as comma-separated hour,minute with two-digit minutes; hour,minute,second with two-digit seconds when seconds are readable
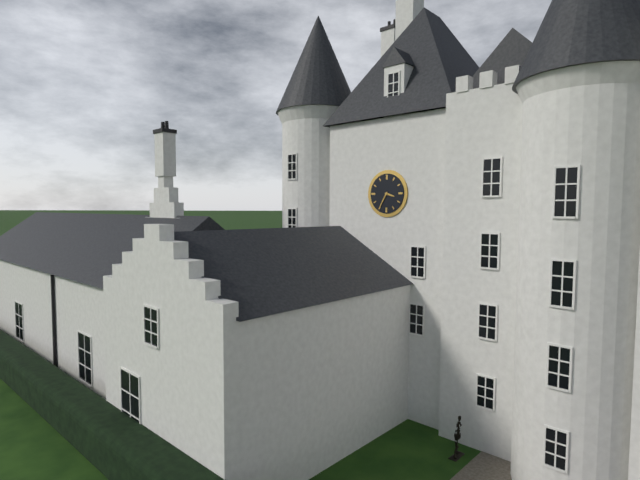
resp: 3,35
